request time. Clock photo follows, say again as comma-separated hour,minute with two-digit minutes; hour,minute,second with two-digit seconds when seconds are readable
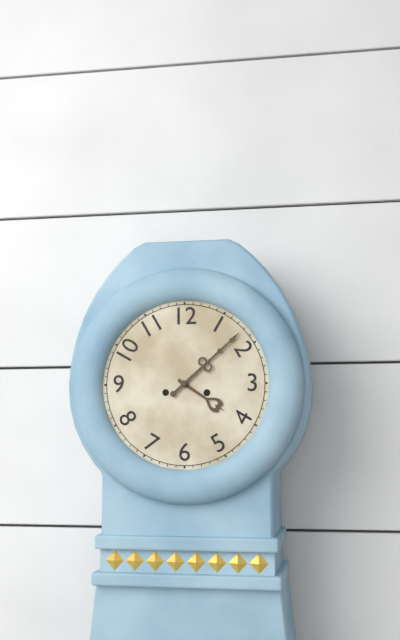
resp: 4,08
